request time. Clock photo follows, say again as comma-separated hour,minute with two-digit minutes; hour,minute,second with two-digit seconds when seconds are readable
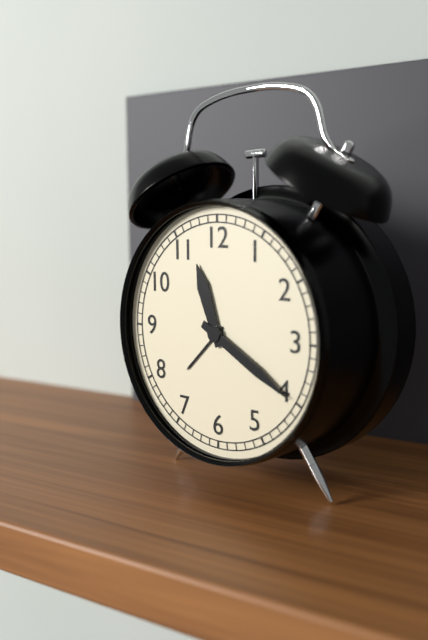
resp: 11,20
